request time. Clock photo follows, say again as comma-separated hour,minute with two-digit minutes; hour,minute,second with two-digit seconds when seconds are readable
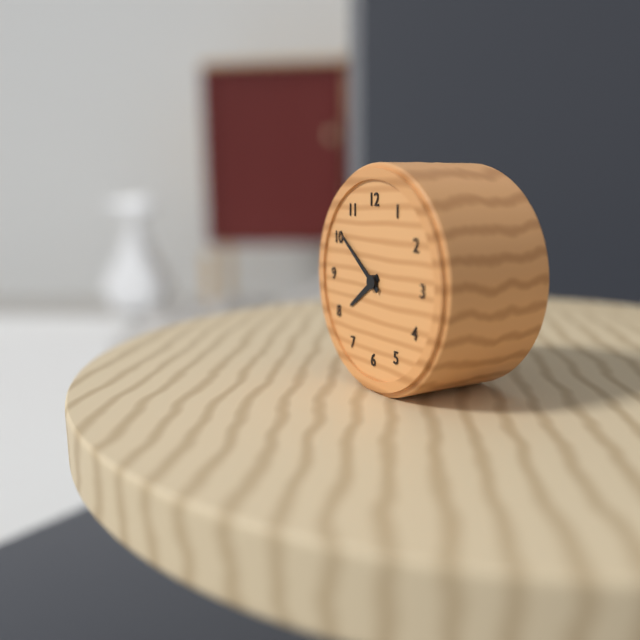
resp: 7,51
